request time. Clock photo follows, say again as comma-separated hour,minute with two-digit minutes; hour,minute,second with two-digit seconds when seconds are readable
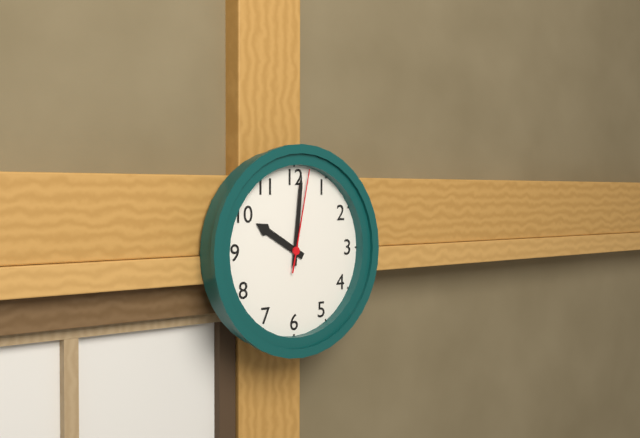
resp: 10,01,02
